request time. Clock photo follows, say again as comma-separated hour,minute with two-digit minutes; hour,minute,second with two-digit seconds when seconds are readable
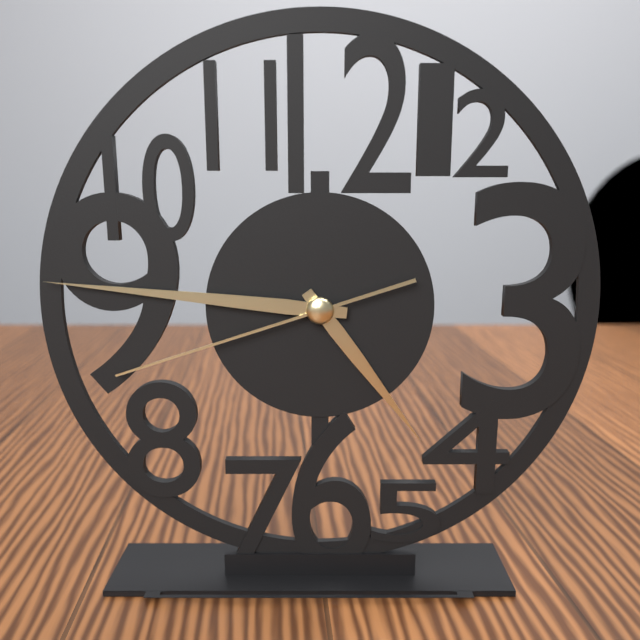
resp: 4,46,42
